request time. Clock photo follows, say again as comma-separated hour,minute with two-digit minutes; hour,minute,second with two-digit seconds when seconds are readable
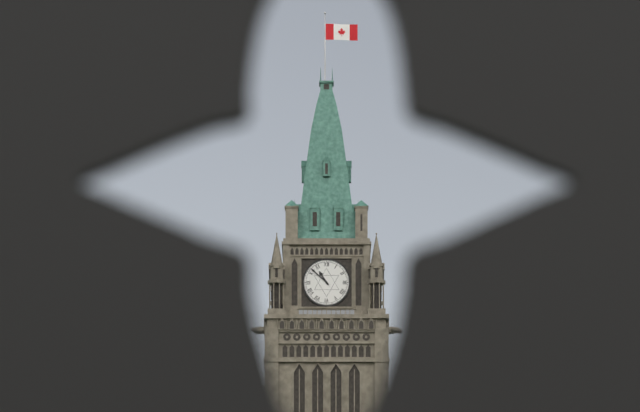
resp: 10,52
